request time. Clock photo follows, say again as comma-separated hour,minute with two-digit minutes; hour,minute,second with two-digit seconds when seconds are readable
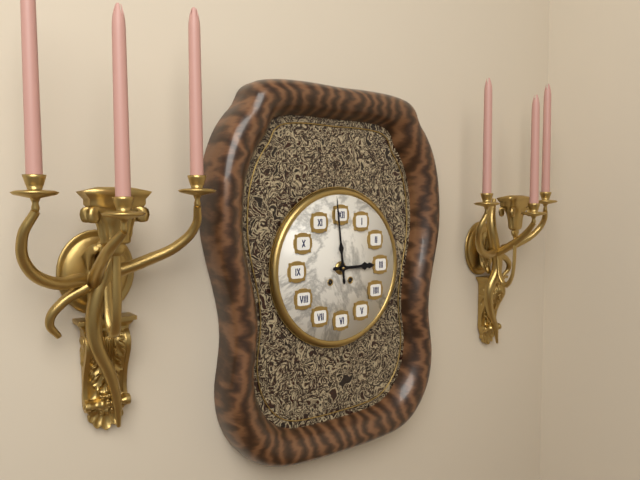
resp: 2,59
